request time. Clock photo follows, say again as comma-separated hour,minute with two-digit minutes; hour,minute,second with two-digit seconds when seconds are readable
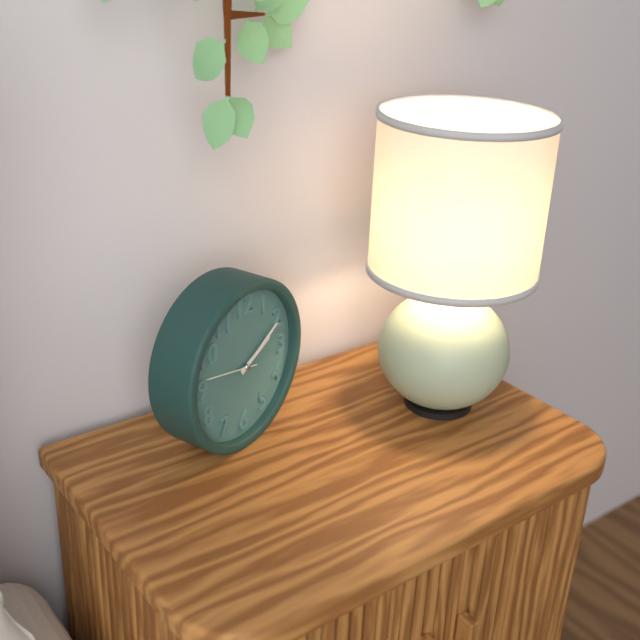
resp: 2,10,47
